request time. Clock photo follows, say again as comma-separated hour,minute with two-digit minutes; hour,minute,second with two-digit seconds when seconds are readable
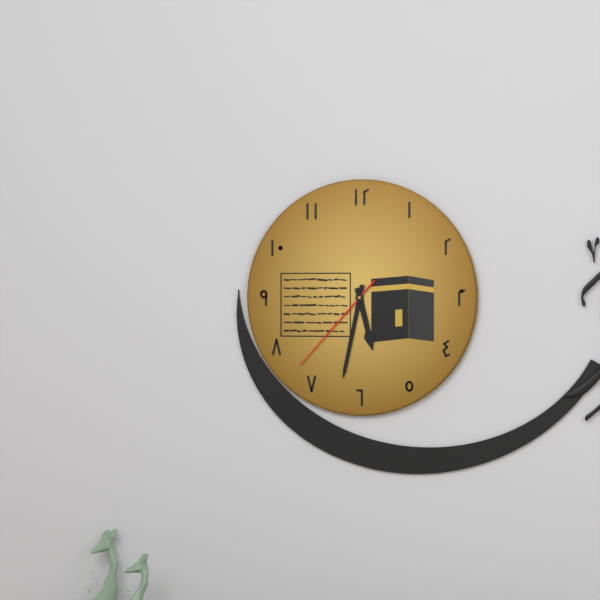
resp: 5,32,37
